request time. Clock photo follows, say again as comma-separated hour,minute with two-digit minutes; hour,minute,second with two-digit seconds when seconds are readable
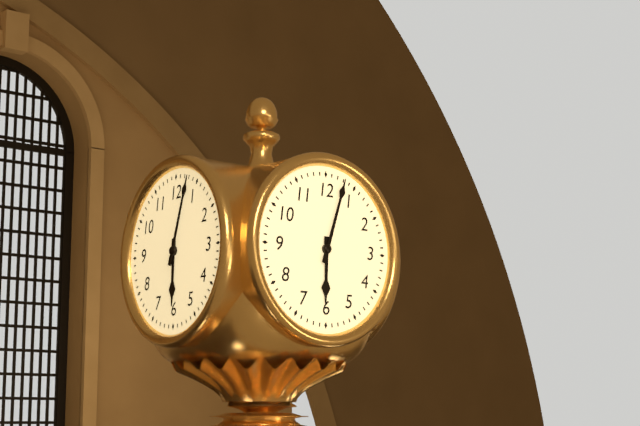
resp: 6,03
